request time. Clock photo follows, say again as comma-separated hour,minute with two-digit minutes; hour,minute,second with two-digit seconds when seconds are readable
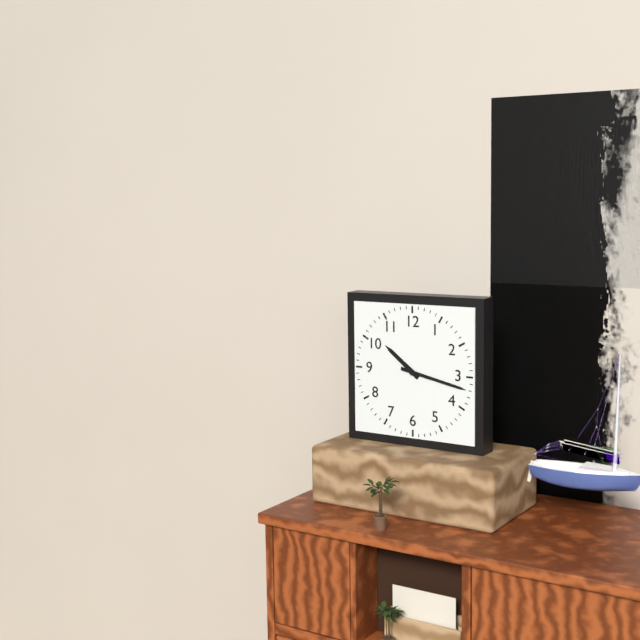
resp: 10,17
